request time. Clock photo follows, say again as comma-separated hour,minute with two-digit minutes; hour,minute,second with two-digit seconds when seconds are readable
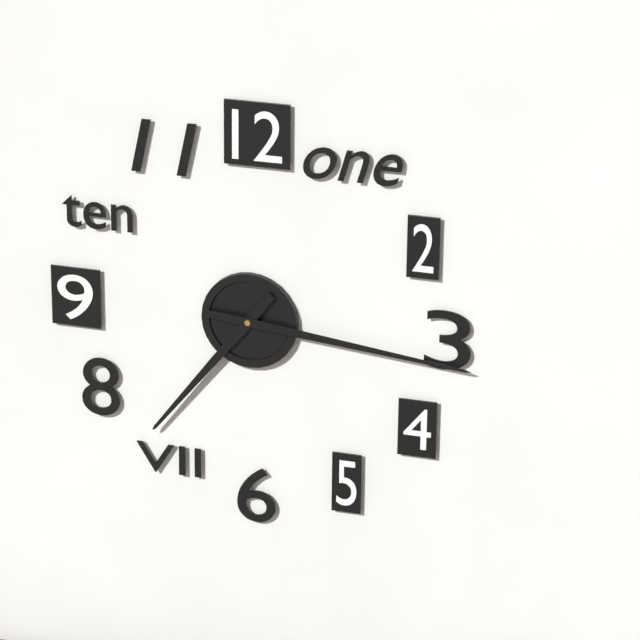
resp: 7,16
